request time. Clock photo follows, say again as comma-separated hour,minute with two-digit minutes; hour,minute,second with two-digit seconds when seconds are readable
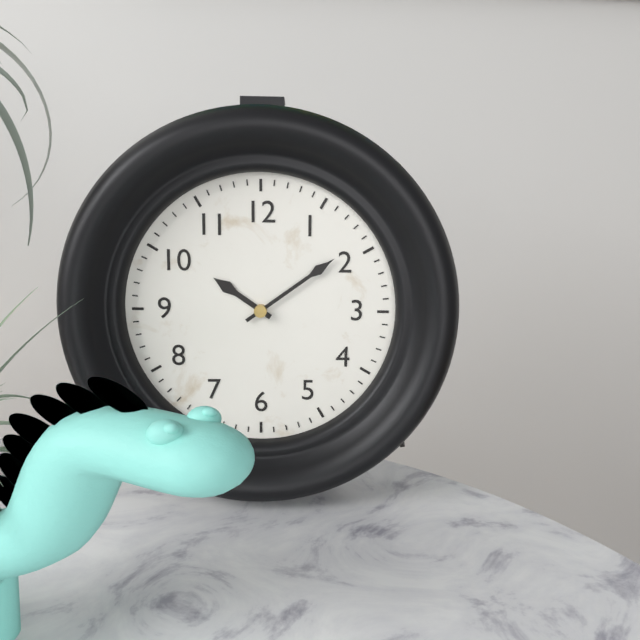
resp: 10,09
